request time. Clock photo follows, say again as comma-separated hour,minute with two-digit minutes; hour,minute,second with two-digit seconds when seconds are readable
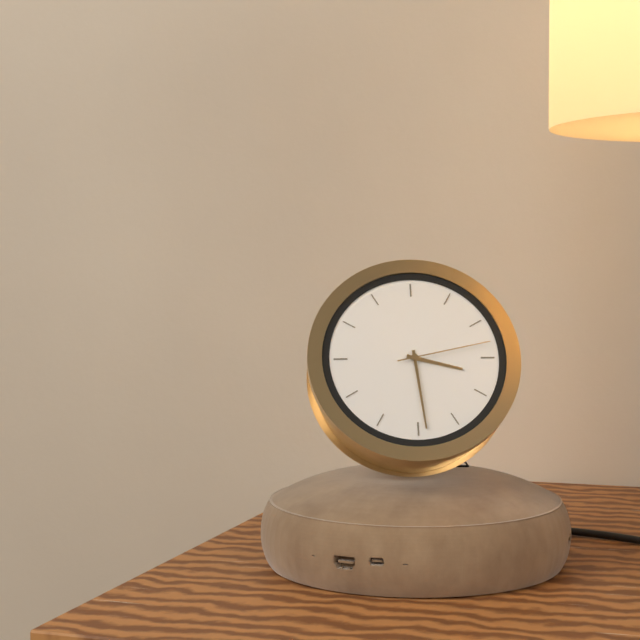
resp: 3,29,13
